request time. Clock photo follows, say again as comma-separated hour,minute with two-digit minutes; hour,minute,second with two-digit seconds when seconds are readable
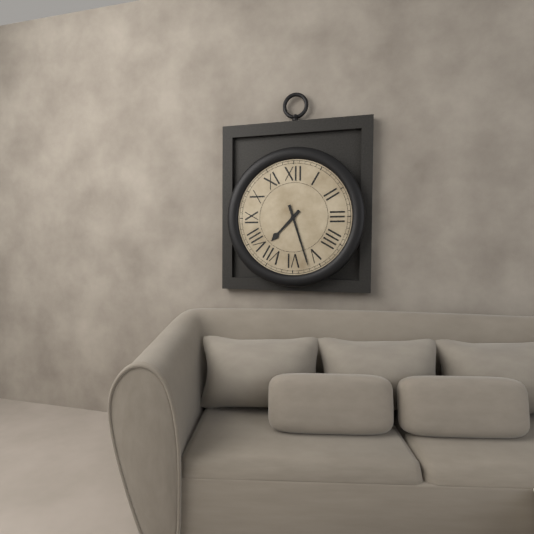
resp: 7,27
